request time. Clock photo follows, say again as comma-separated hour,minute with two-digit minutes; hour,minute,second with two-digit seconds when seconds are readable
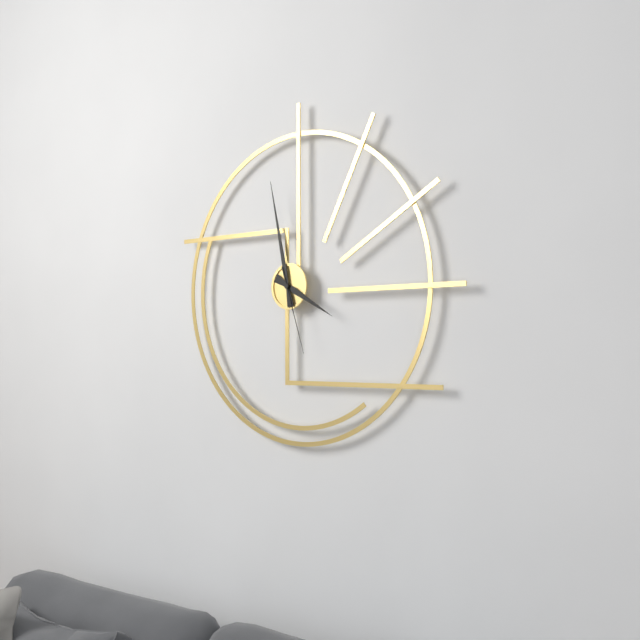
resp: 3,58,27
